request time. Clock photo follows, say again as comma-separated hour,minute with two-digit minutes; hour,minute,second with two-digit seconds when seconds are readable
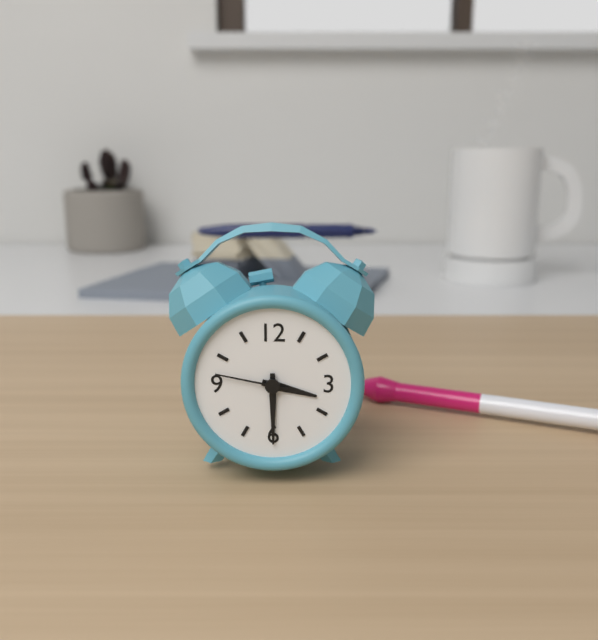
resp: 3,30,47
